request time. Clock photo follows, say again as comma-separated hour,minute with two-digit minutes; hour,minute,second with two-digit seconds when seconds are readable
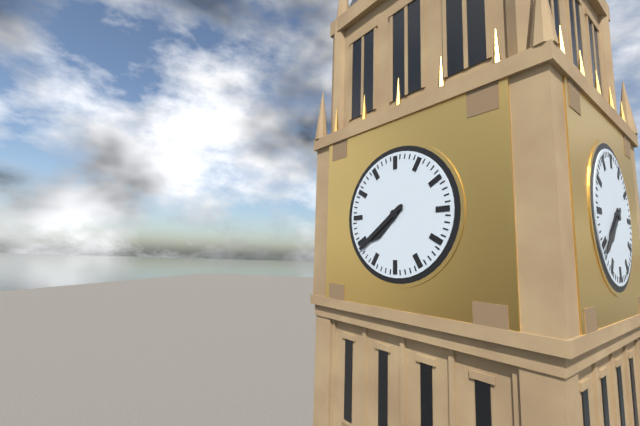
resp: 7,39
